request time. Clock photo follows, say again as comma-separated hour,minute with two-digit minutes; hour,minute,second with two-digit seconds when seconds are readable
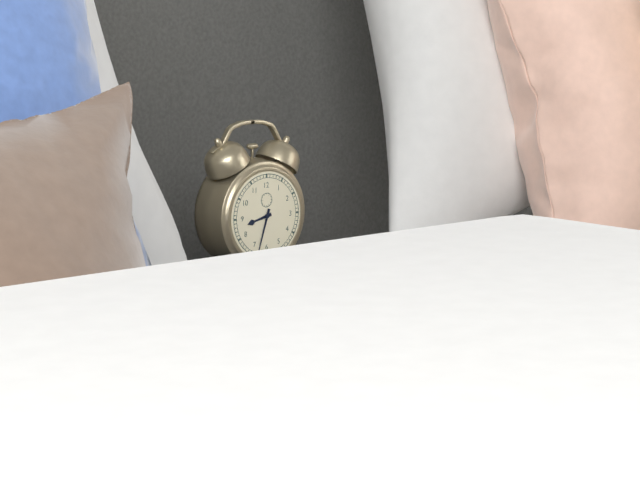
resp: 8,33
